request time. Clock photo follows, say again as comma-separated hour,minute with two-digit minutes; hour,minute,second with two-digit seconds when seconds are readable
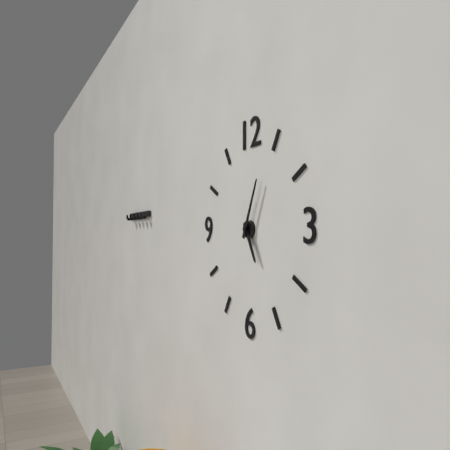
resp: 5,04
